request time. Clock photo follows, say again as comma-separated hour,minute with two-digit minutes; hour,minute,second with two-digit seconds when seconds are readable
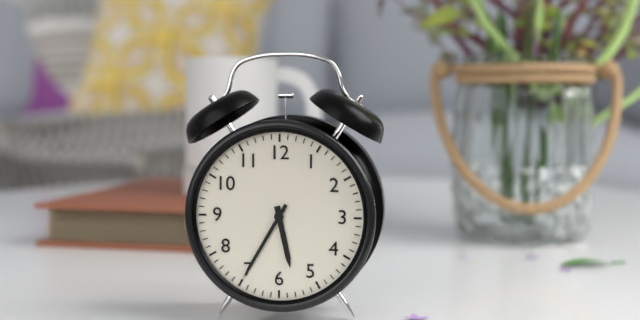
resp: 5,35
